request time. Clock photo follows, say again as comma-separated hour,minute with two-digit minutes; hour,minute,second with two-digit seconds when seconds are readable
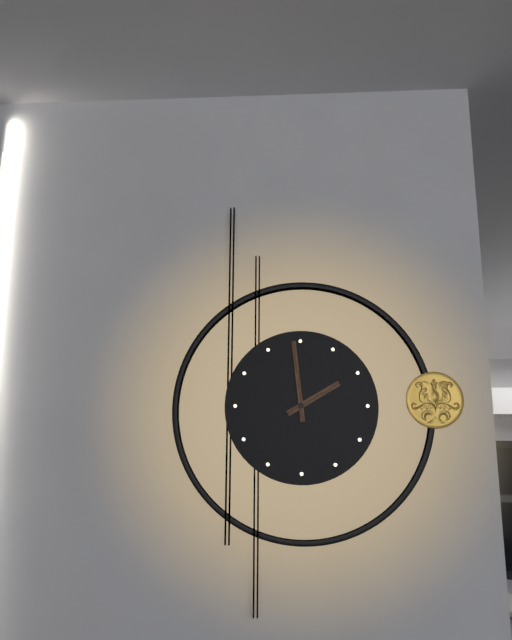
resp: 1,59
